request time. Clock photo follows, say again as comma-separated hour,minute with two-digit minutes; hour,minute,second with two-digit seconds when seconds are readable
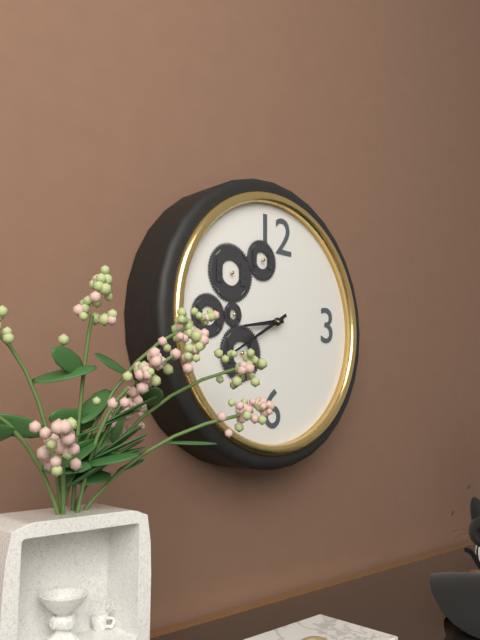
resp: 8,40
